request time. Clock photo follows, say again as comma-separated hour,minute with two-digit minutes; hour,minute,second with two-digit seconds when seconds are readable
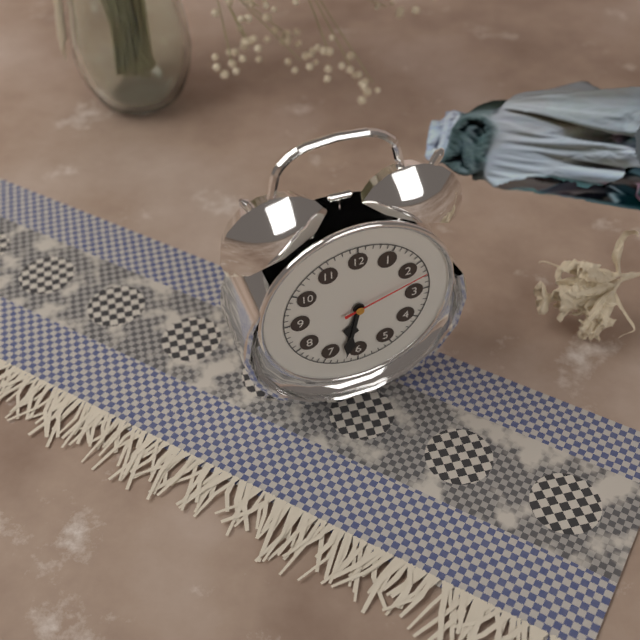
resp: 6,32,12
